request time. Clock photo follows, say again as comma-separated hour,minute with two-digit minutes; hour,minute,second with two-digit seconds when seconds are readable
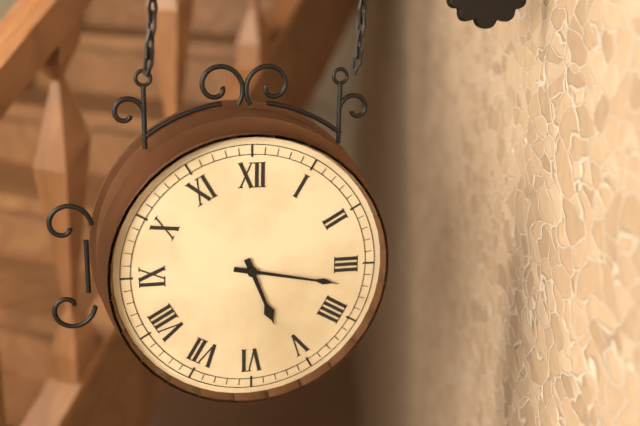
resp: 5,17
